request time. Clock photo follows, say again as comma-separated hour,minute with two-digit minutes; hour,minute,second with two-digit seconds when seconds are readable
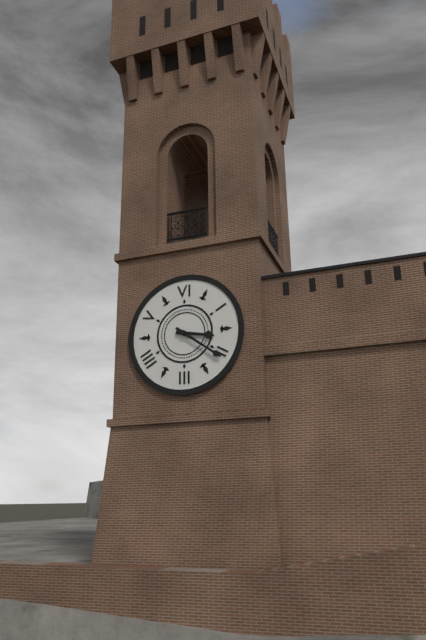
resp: 3,21
